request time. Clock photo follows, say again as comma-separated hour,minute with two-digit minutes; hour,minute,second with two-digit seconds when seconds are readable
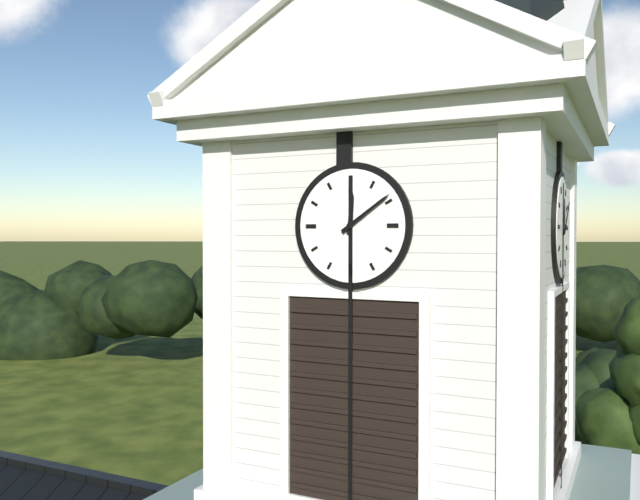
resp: 12,09
